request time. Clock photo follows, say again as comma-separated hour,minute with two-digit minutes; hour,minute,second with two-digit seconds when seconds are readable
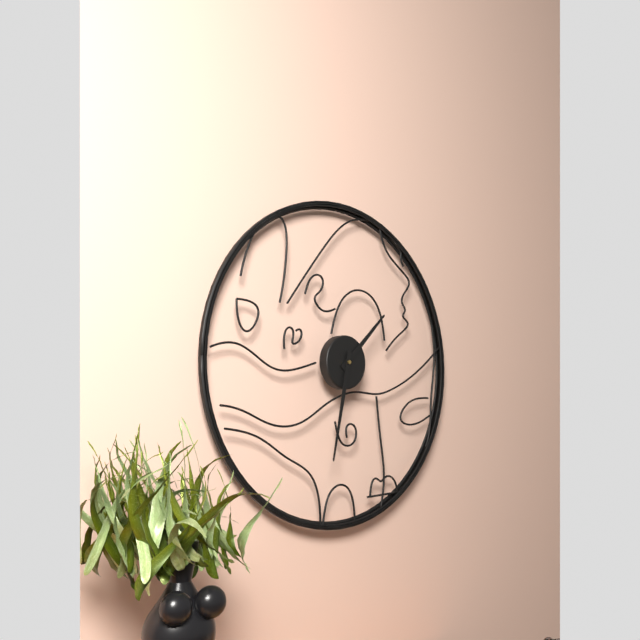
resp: 1,32
